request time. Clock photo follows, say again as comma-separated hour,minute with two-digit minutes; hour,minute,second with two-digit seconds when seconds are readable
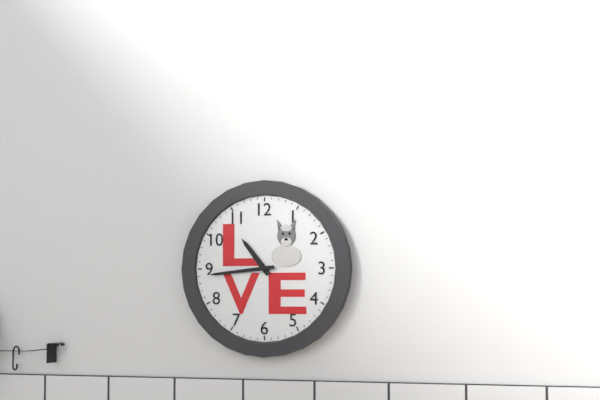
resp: 10,44
